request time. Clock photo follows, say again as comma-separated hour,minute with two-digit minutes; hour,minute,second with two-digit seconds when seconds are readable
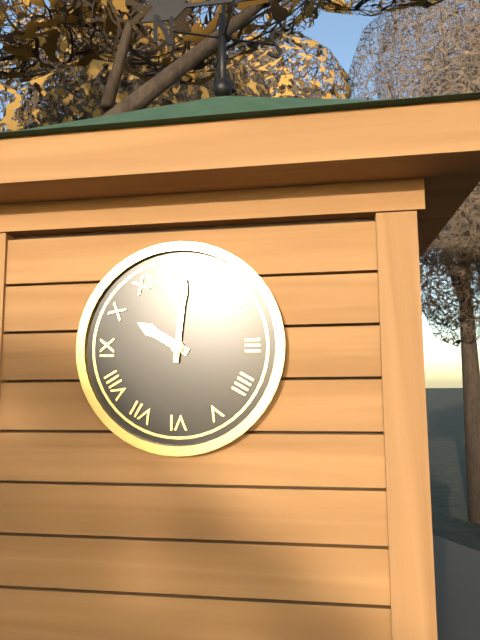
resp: 10,01
